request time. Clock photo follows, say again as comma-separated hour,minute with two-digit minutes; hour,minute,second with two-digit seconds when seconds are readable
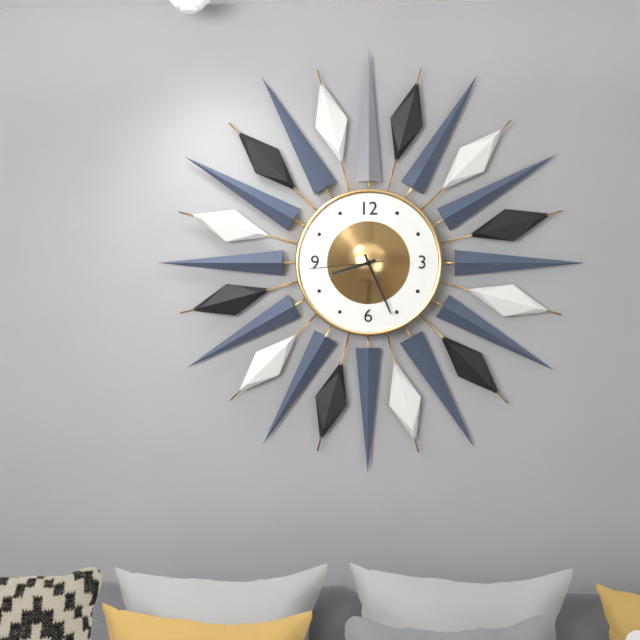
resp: 8,26,44
